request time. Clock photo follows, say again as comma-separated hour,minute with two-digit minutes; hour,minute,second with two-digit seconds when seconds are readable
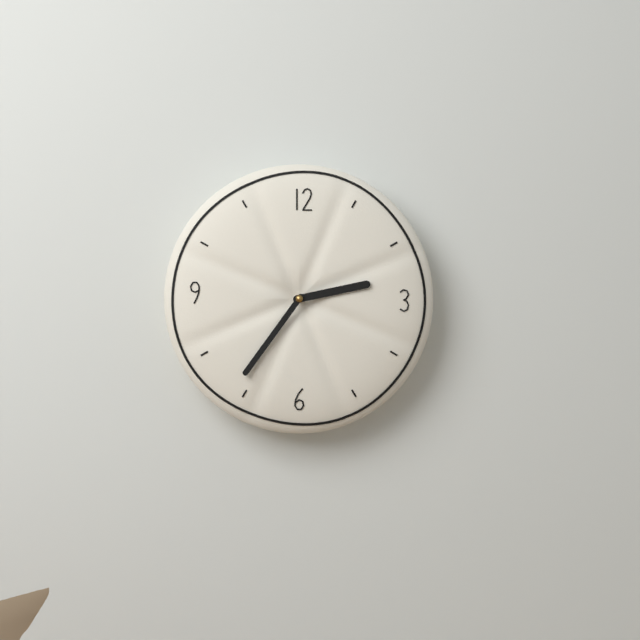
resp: 2,36
